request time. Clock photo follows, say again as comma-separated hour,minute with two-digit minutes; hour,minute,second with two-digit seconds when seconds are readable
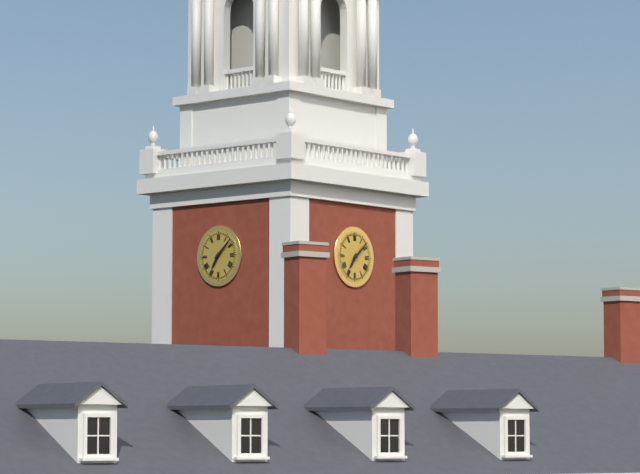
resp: 7,08
